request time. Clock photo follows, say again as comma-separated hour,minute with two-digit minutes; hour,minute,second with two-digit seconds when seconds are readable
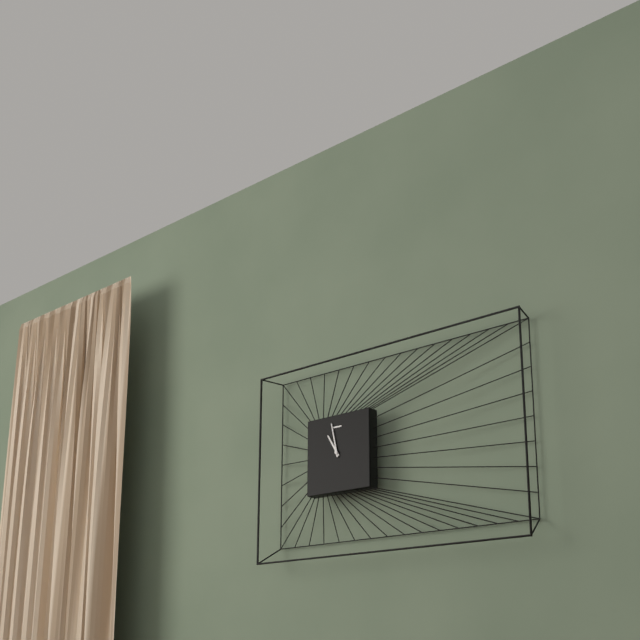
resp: 10,58
